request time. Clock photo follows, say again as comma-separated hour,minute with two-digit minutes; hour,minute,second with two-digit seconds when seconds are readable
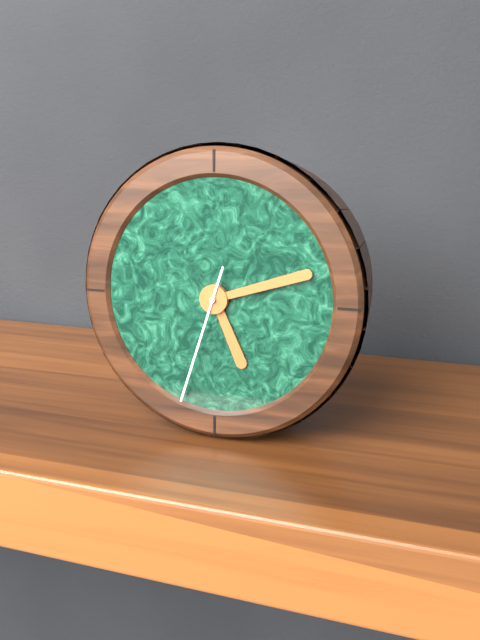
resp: 5,12,33
